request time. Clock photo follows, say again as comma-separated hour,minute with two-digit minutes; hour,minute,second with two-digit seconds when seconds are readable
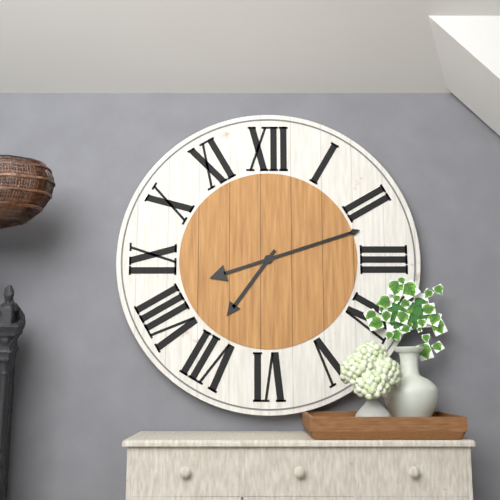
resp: 7,12
